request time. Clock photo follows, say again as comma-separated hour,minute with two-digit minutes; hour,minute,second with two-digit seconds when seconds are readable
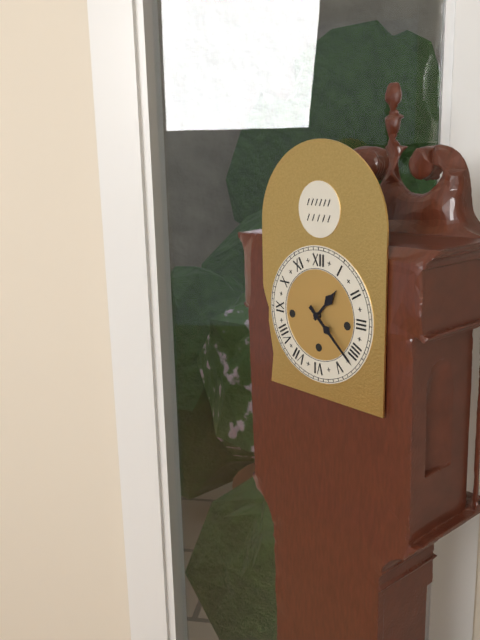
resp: 1,22
